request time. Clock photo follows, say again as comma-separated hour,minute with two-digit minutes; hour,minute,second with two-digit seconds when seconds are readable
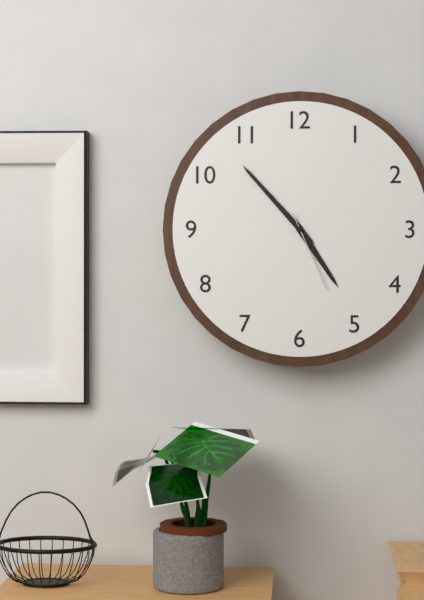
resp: 4,53,26
